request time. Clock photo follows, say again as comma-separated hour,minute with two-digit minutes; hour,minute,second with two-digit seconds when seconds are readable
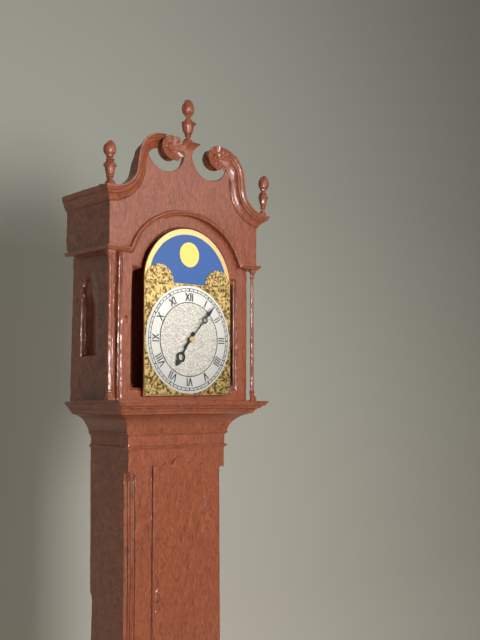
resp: 7,07
